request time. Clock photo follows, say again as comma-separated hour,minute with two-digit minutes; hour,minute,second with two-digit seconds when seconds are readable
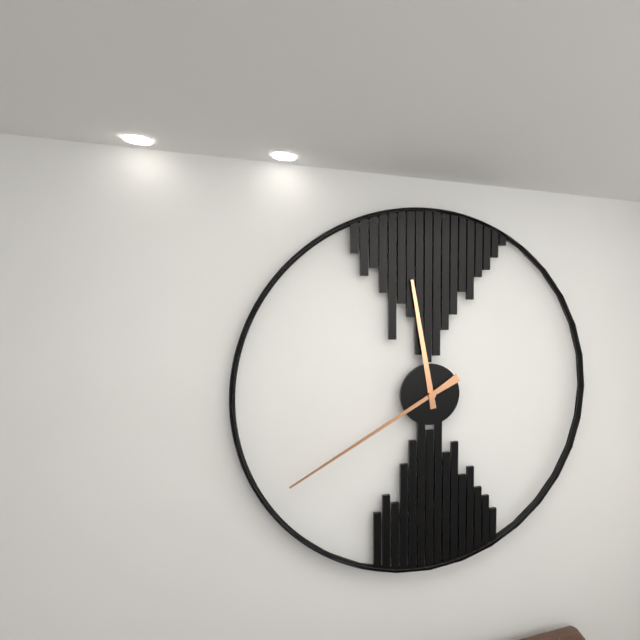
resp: 11,40
